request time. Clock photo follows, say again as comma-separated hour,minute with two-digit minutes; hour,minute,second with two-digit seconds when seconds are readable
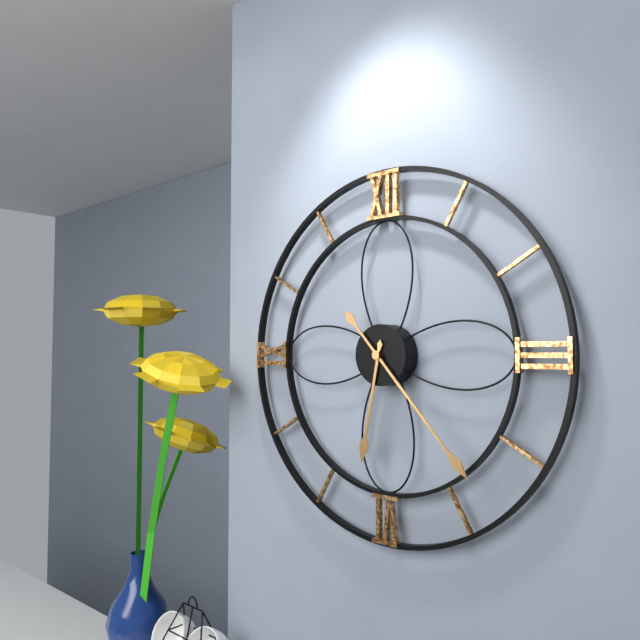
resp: 6,23
